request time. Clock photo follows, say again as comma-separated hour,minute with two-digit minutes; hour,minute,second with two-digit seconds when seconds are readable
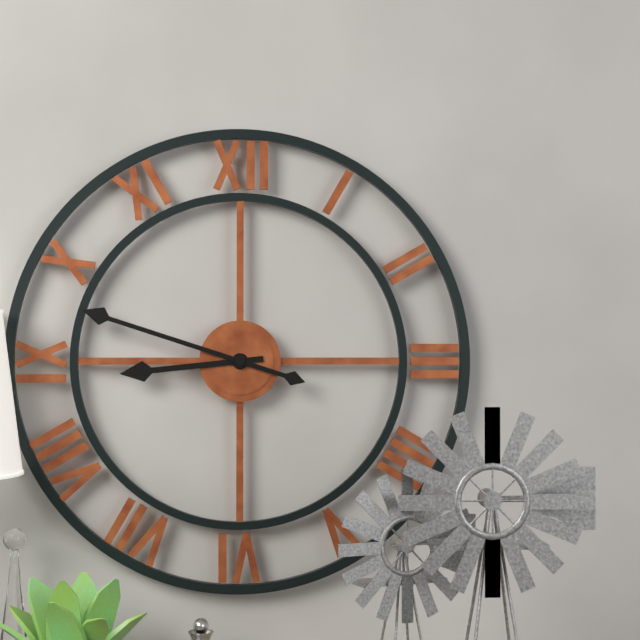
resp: 8,48
